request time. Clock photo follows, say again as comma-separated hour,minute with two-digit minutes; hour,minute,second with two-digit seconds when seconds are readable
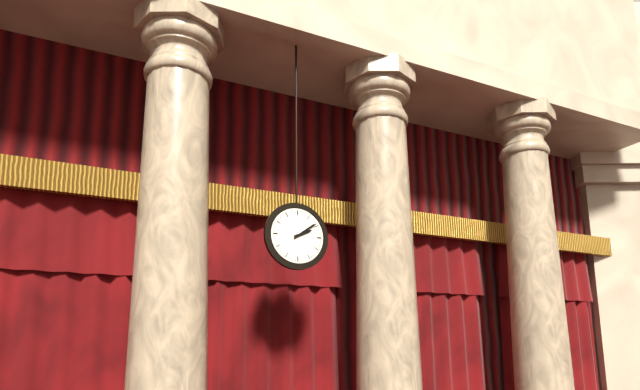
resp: 2,09
